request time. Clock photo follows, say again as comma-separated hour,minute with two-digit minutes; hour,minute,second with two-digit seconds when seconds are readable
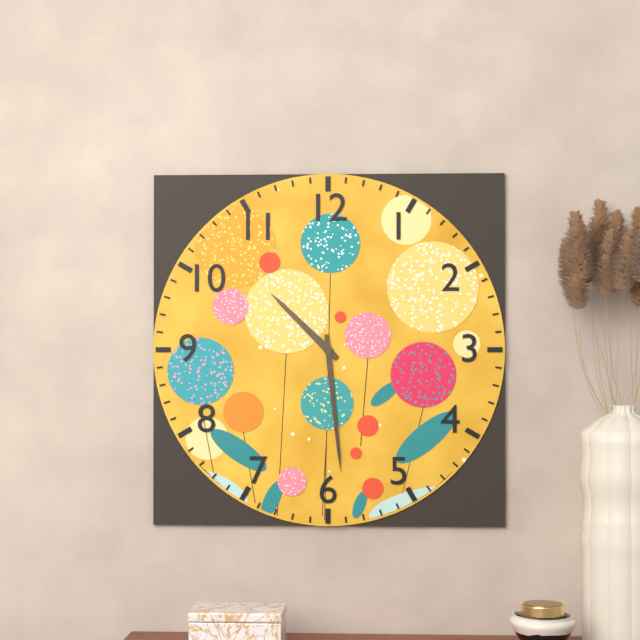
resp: 10,29
